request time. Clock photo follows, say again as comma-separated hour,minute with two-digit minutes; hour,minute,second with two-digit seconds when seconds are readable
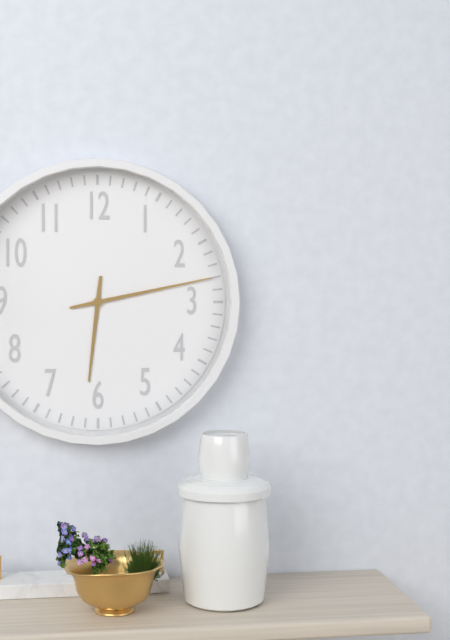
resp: 6,13
